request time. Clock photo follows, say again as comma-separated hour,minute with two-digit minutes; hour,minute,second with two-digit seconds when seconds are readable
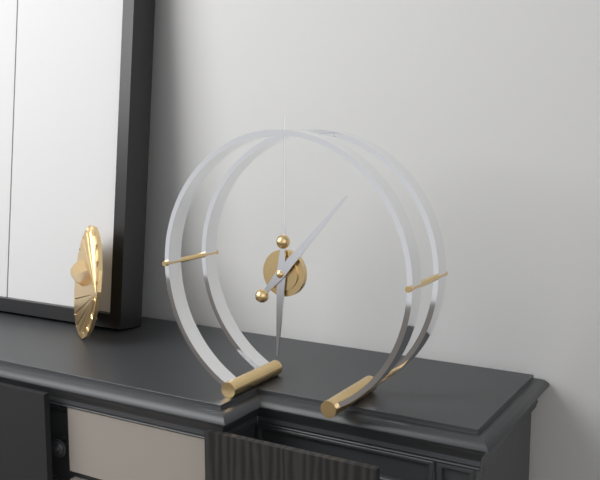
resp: 6,07
